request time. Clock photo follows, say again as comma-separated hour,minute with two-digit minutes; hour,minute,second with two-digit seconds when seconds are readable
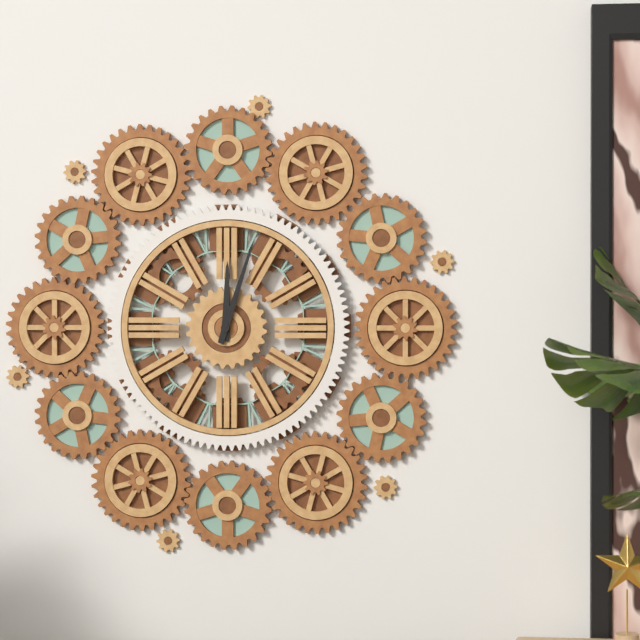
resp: 12,03
